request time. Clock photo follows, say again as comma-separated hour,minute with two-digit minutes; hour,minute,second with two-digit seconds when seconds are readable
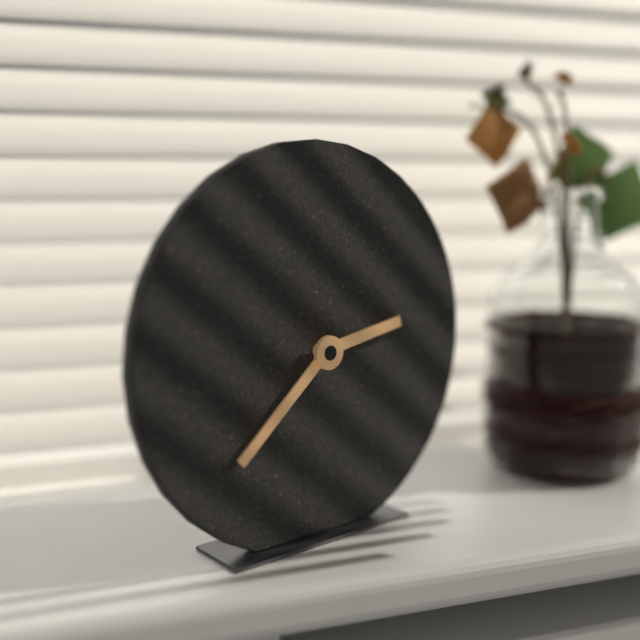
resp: 2,38
